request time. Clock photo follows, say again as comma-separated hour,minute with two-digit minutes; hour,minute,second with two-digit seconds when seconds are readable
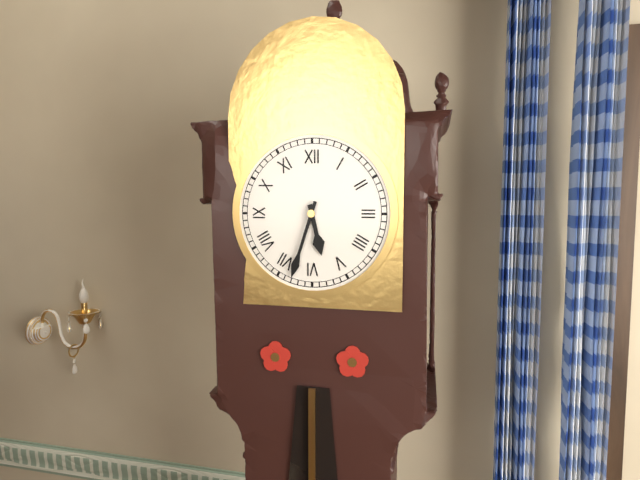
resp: 5,33
